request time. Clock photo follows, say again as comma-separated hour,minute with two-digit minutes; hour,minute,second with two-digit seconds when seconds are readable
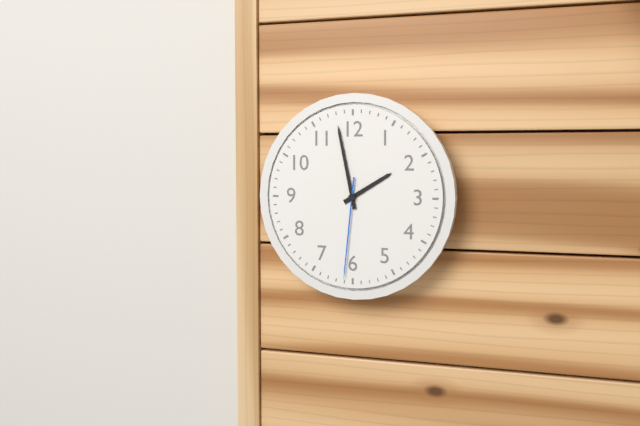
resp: 1,58,31
